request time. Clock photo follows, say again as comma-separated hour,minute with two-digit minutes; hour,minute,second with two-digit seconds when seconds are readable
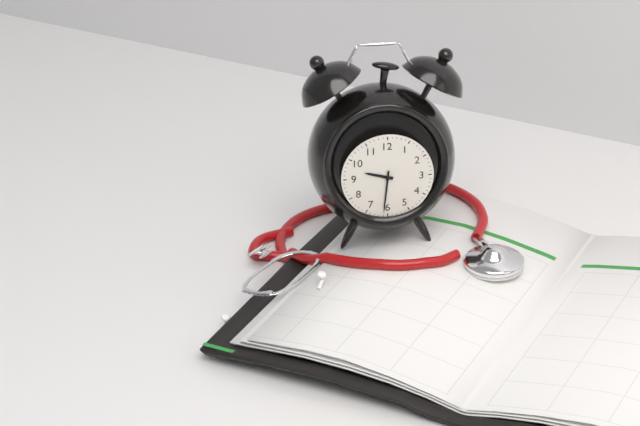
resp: 9,31
